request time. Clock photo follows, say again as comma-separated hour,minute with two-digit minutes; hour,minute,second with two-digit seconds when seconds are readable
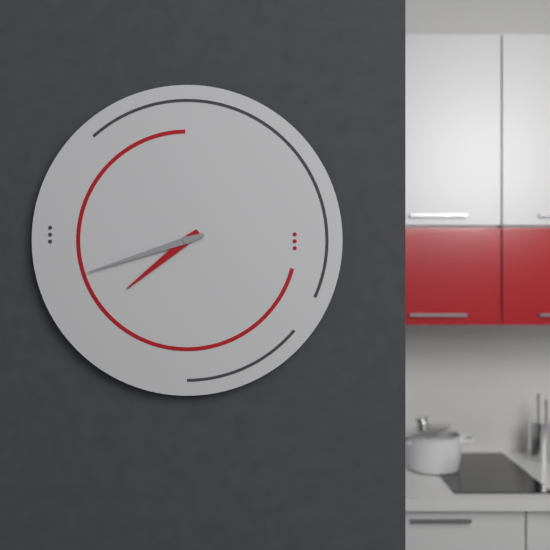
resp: 7,42
